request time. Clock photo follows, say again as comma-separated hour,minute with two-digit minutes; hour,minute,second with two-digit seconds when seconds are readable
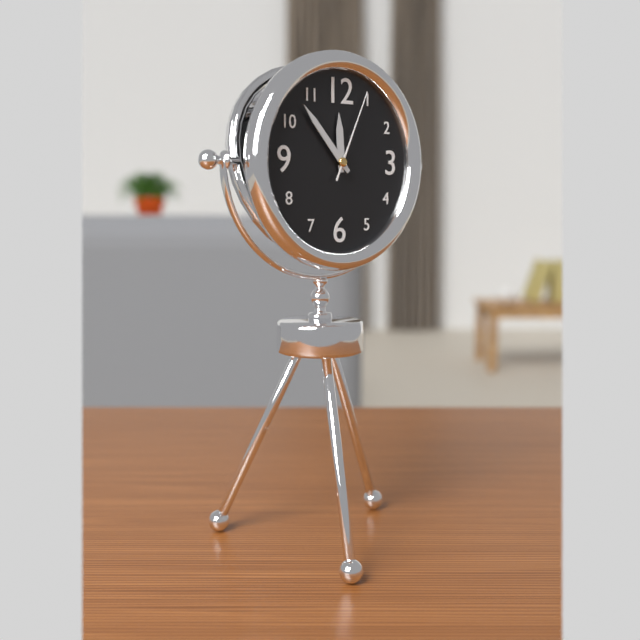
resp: 11,53,04
